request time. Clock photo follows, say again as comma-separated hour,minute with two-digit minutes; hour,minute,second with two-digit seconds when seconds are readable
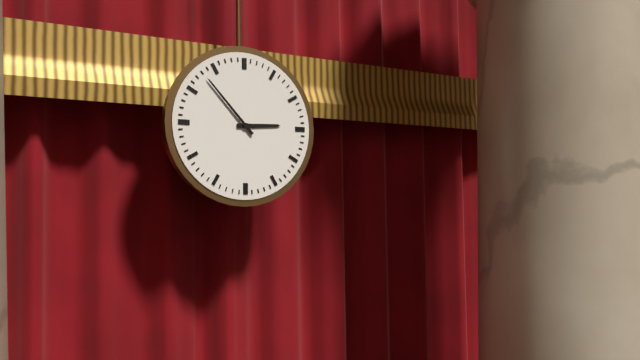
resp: 2,53
